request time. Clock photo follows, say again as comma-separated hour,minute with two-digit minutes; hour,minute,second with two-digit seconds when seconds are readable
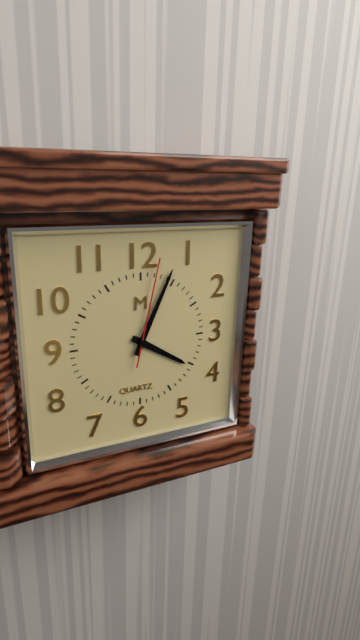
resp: 4,04,02
